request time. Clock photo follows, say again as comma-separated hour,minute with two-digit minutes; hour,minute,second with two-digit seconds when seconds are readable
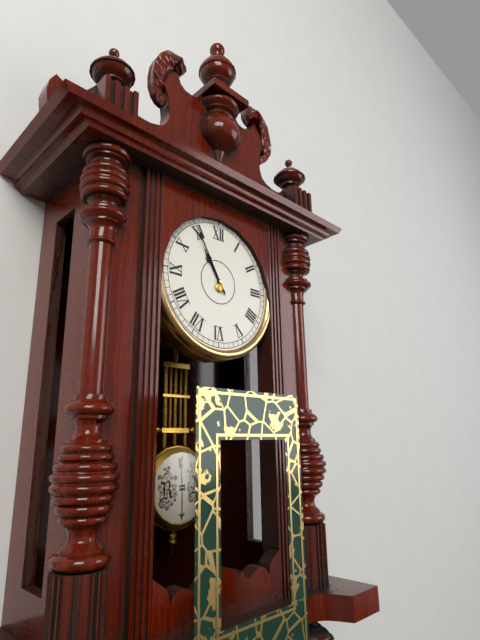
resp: 10,55
